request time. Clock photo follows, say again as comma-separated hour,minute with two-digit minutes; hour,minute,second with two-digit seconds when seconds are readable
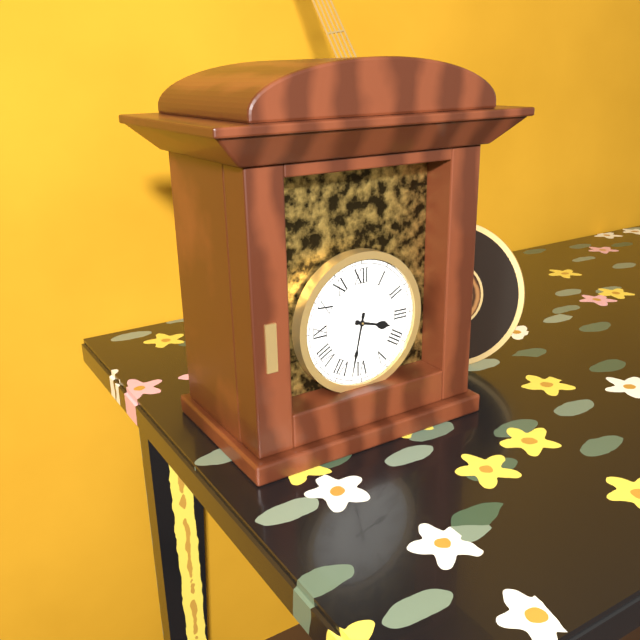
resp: 3,32
